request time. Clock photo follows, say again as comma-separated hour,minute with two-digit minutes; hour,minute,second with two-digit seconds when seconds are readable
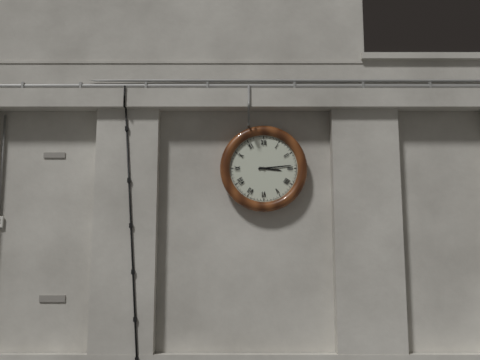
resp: 3,14
